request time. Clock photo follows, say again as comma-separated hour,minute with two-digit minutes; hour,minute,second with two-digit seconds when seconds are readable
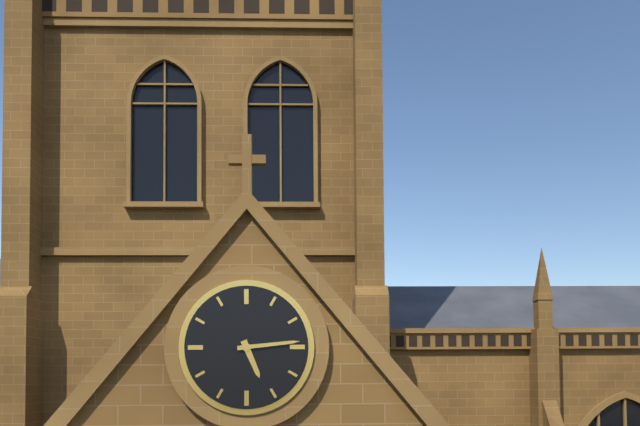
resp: 5,14
